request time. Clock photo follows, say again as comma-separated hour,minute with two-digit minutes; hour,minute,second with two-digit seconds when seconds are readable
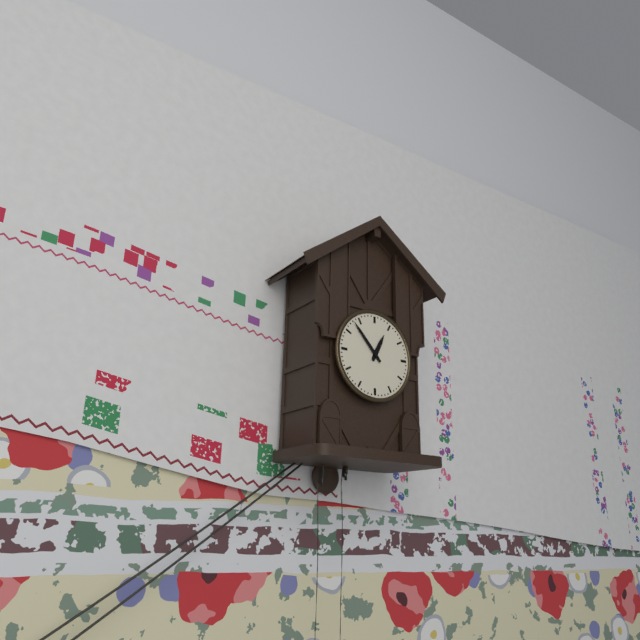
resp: 12,53
